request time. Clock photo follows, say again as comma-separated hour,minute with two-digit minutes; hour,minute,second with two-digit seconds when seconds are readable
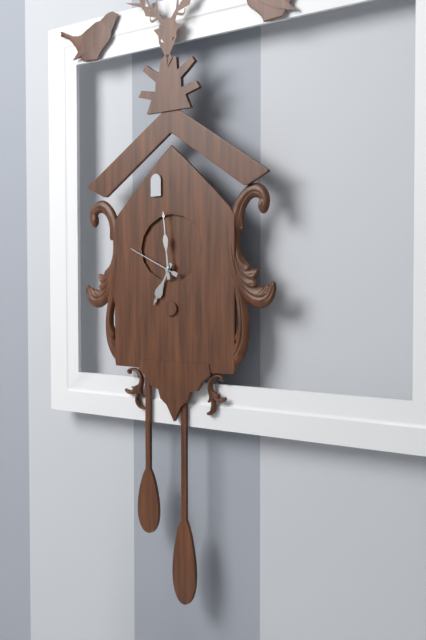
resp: 6,59,49
